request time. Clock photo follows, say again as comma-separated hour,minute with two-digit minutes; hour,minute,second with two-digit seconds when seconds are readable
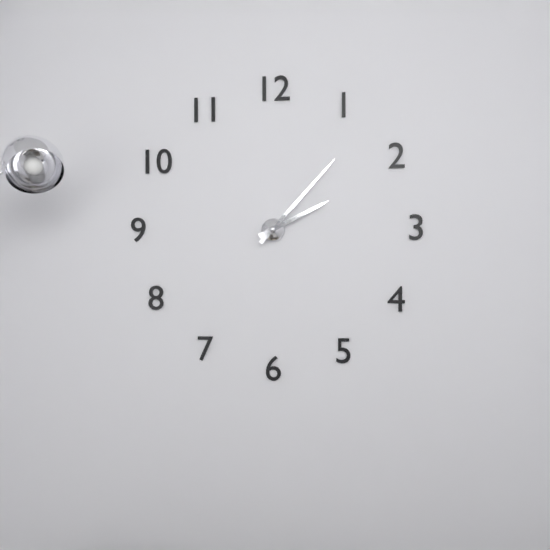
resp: 2,07
